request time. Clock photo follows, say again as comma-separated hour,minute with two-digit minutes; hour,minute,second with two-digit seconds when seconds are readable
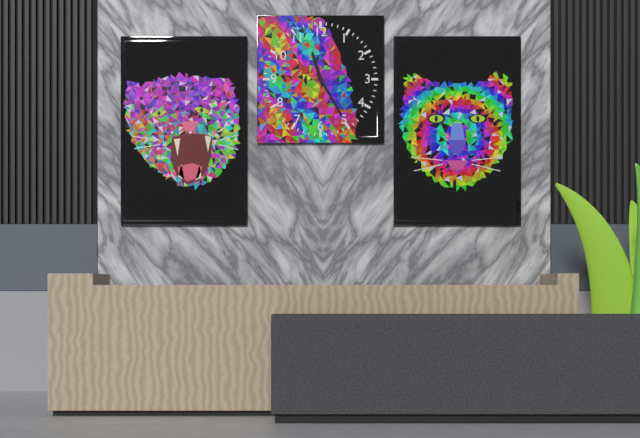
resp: 11,25
